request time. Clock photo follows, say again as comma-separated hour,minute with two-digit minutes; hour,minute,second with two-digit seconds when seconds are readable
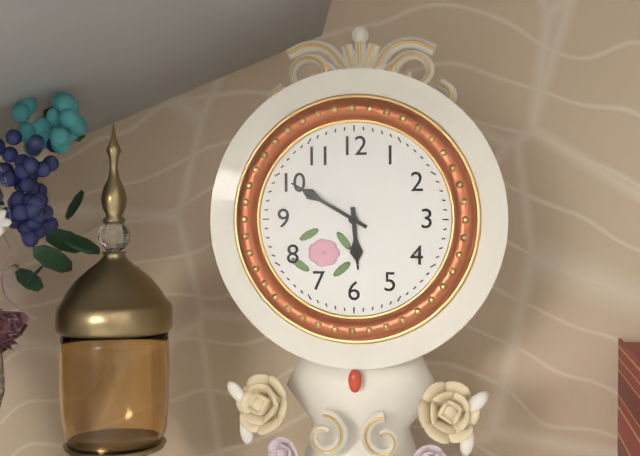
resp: 5,50
